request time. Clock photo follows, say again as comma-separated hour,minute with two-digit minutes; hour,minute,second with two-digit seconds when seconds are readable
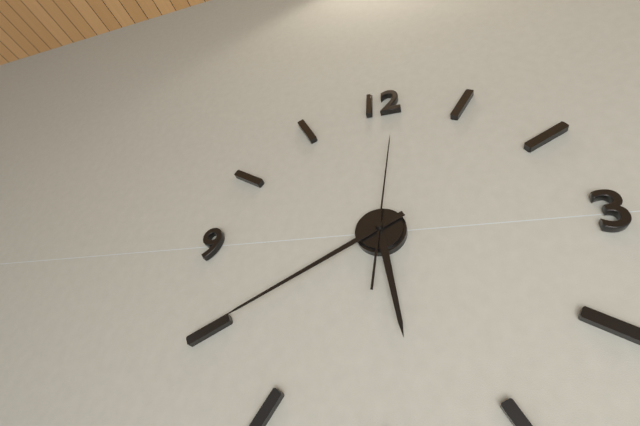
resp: 5,40,01
